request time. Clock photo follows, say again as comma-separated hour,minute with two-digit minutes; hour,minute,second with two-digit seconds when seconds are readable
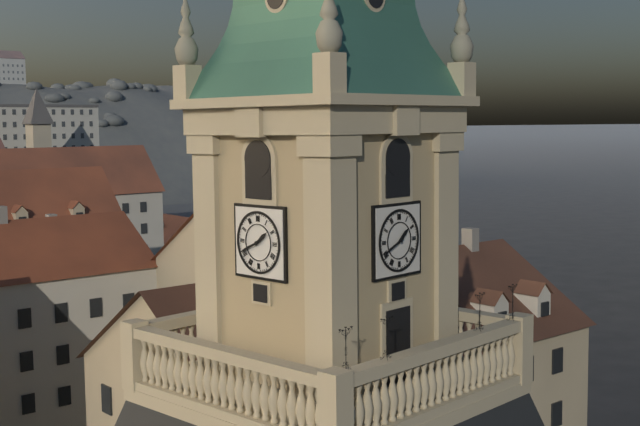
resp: 1,41
